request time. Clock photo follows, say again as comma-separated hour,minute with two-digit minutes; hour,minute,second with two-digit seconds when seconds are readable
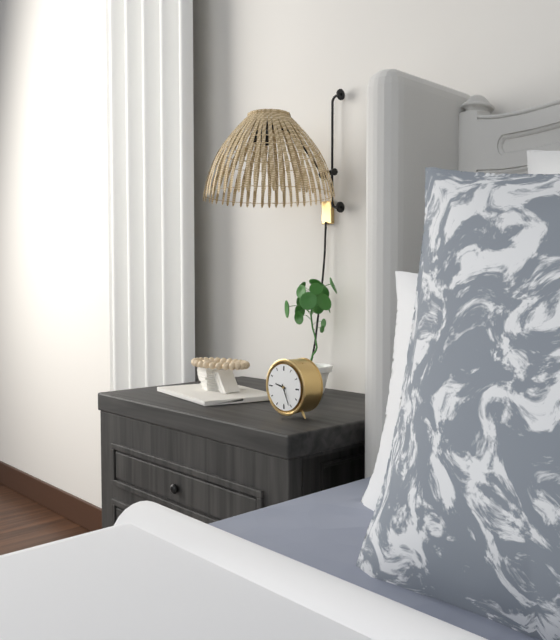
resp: 9,26
